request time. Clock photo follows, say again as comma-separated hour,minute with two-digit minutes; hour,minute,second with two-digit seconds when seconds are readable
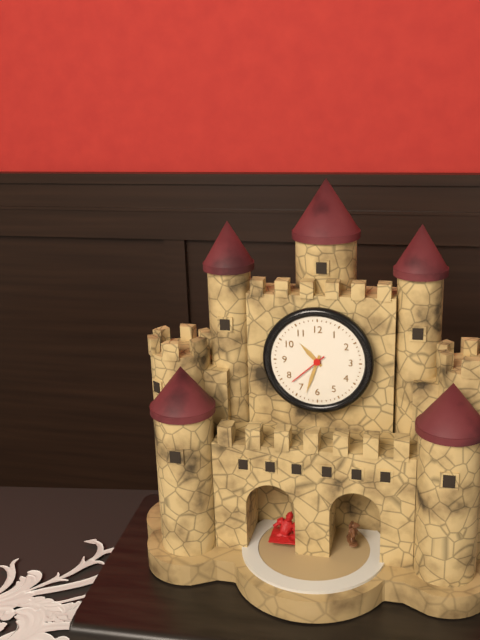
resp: 10,33
